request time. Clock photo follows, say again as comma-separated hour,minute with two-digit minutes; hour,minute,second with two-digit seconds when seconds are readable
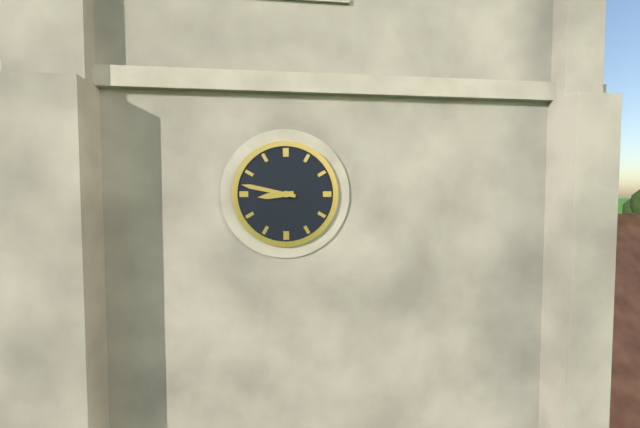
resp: 8,47
